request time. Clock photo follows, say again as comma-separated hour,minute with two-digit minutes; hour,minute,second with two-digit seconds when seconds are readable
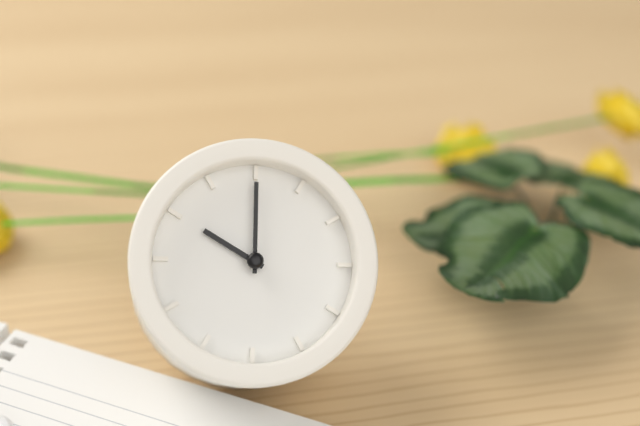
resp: 10,00
